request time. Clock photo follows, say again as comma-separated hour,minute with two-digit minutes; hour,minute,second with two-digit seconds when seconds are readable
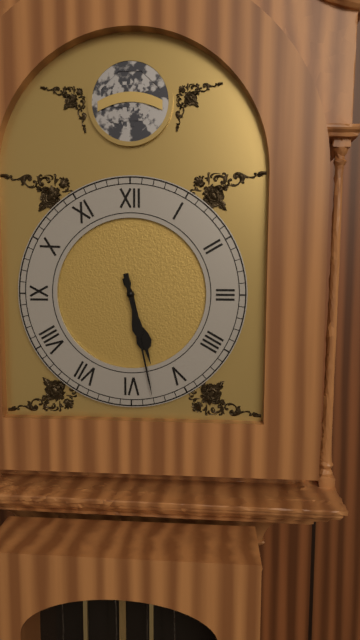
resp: 5,28
